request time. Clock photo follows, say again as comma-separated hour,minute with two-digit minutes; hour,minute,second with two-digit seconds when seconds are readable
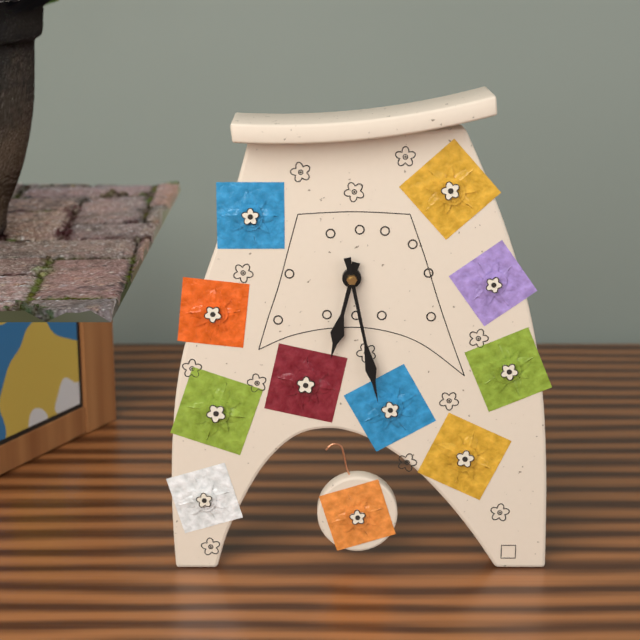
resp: 6,28
